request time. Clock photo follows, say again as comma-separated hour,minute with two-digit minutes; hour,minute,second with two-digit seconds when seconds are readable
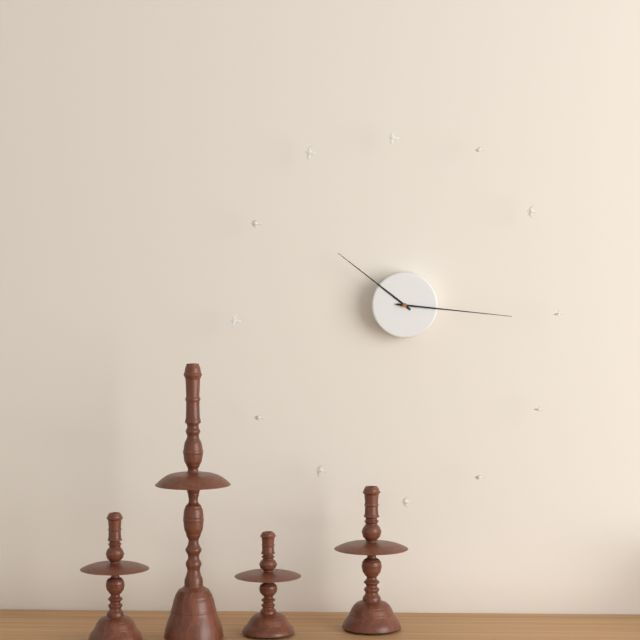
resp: 10,16
